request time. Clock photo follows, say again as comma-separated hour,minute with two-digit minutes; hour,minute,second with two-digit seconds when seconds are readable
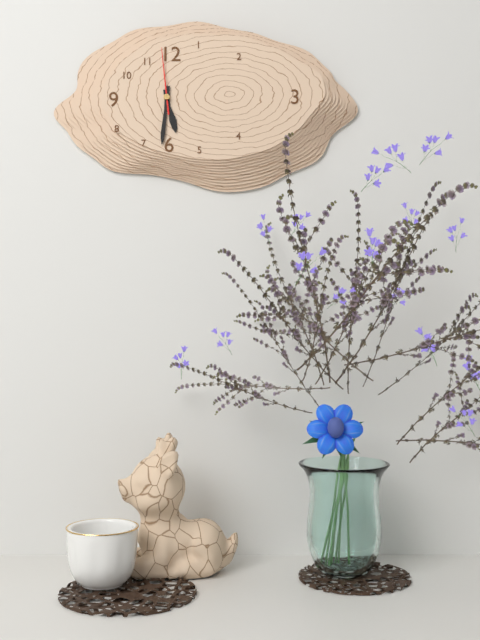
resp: 5,31,59
